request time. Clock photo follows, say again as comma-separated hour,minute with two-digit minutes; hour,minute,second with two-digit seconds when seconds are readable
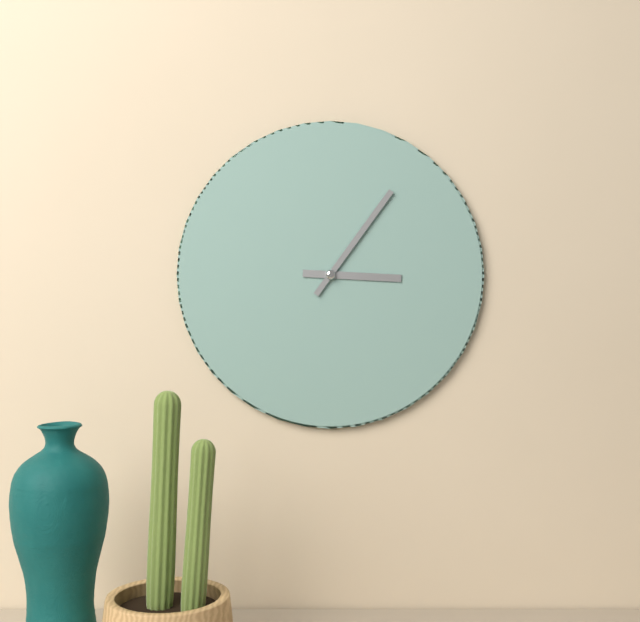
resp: 3,06
